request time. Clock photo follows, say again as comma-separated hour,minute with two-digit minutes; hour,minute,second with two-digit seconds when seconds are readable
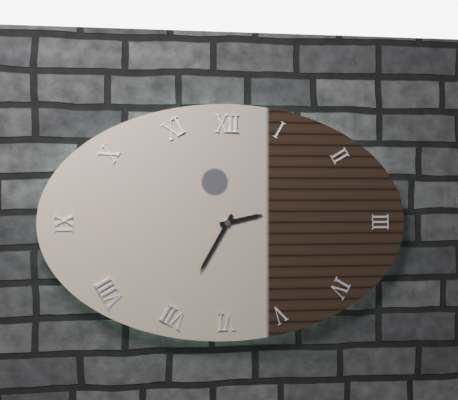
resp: 2,35
